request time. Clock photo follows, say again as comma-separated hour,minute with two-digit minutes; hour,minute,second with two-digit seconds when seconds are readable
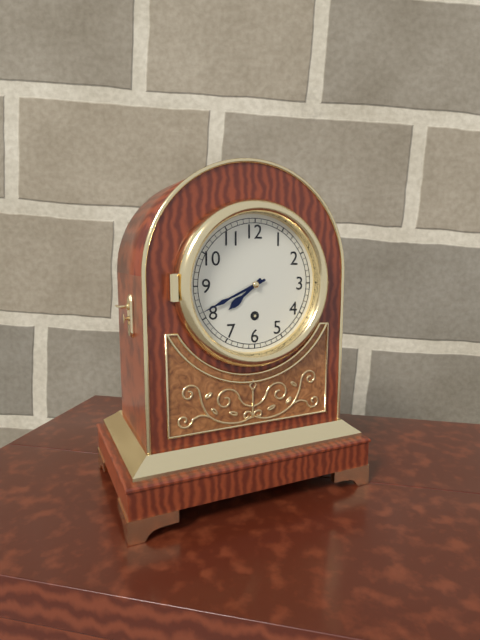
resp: 7,41
